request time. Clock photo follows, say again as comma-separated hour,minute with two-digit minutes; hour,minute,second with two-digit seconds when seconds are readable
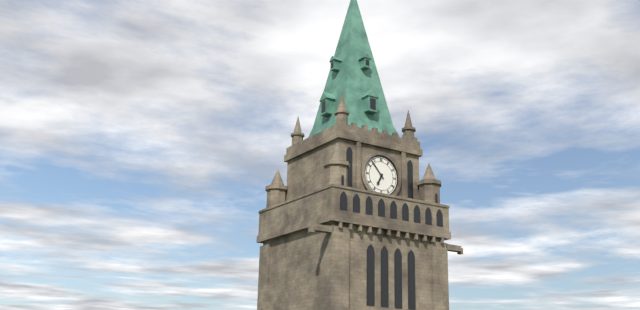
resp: 6,53
